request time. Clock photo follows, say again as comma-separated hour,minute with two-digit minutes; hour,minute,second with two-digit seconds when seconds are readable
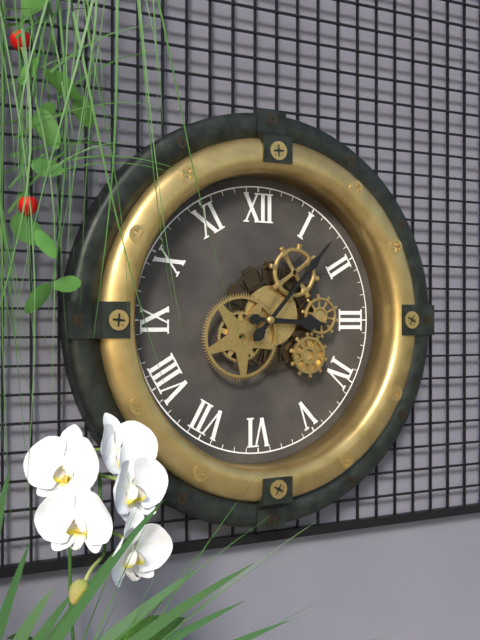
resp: 3,07
